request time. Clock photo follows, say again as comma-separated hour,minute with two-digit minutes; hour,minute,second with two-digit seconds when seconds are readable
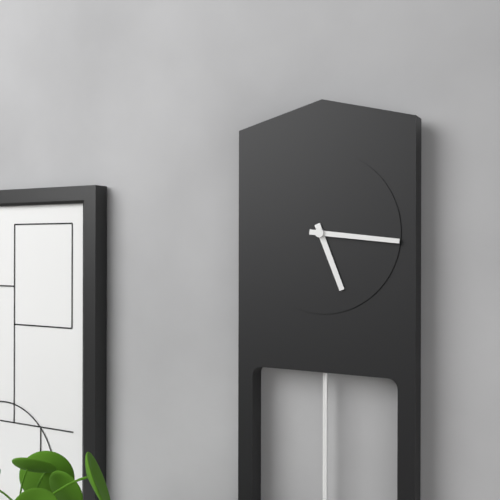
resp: 5,16
